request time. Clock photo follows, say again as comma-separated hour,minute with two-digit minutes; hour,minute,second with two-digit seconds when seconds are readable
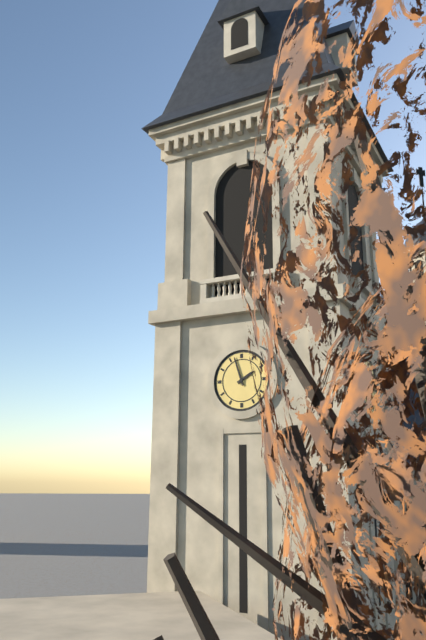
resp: 1,57
